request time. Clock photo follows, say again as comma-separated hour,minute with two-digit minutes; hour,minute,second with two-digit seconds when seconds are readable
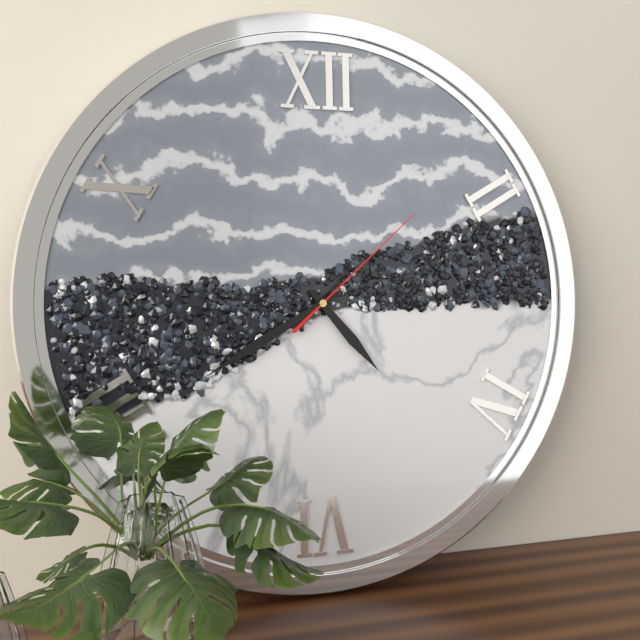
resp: 4,40,08
